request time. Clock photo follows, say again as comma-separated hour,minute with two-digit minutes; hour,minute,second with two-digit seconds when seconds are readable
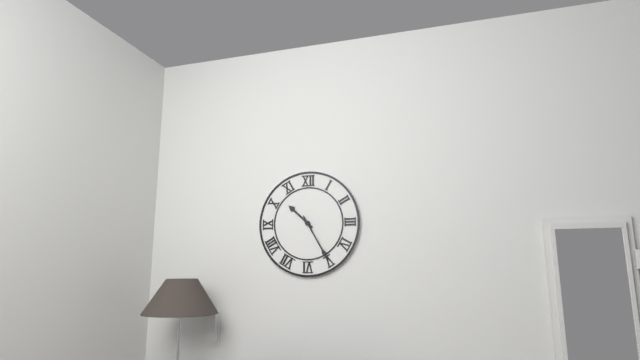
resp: 10,25
